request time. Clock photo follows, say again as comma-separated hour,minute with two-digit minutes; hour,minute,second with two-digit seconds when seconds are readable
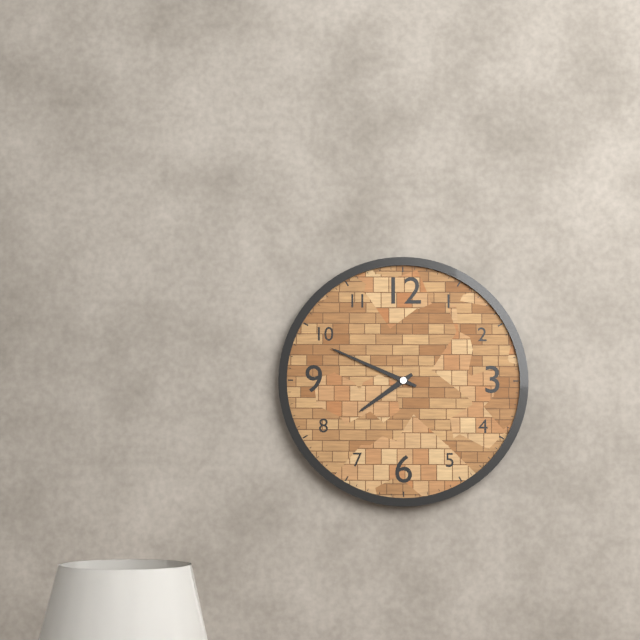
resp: 7,49
